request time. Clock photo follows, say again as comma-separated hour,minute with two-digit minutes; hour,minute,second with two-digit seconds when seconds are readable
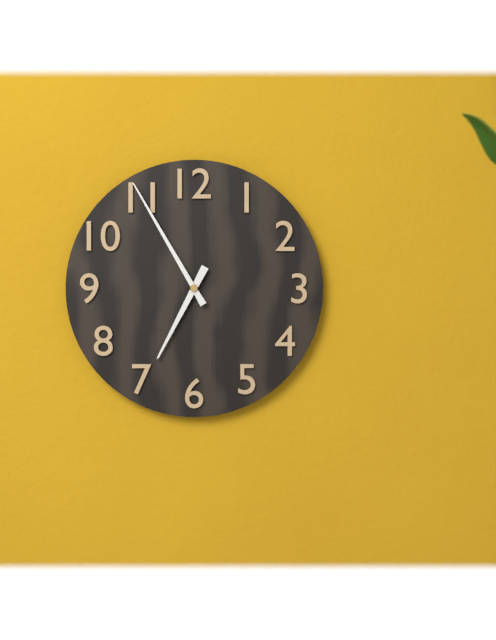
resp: 6,55
